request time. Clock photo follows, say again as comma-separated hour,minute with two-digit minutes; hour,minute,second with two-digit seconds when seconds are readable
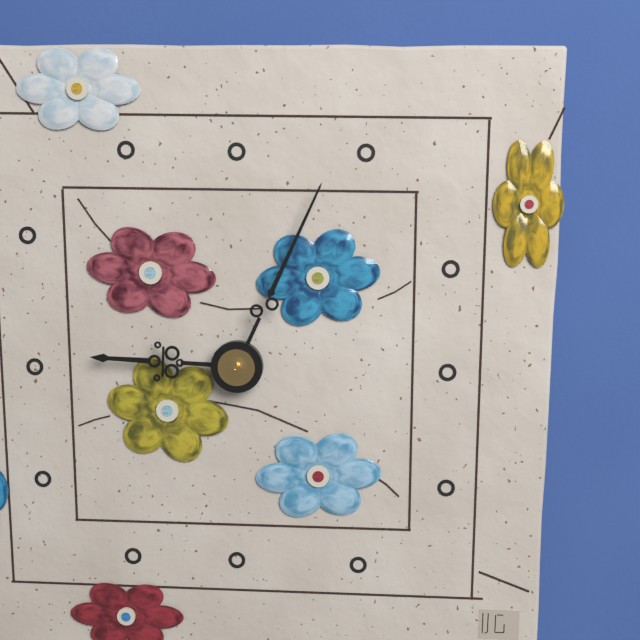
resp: 9,04
